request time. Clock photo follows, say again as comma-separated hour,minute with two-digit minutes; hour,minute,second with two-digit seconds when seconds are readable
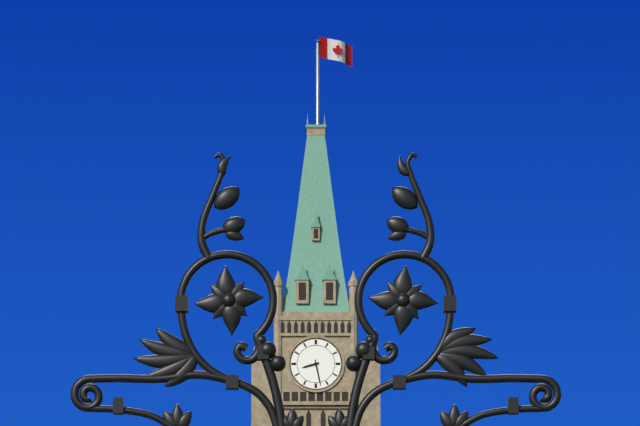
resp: 8,28
